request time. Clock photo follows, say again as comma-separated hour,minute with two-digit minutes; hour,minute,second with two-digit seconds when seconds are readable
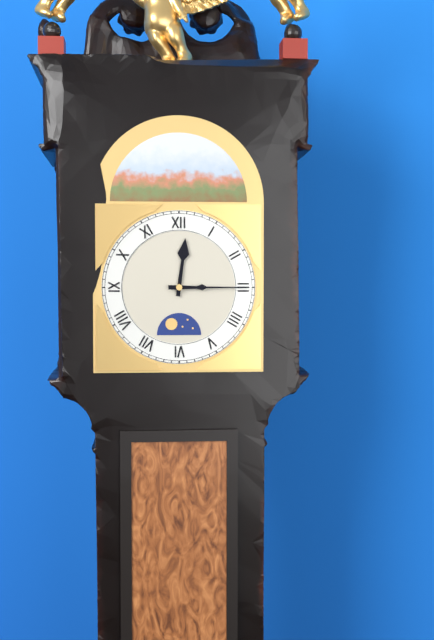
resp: 12,15
